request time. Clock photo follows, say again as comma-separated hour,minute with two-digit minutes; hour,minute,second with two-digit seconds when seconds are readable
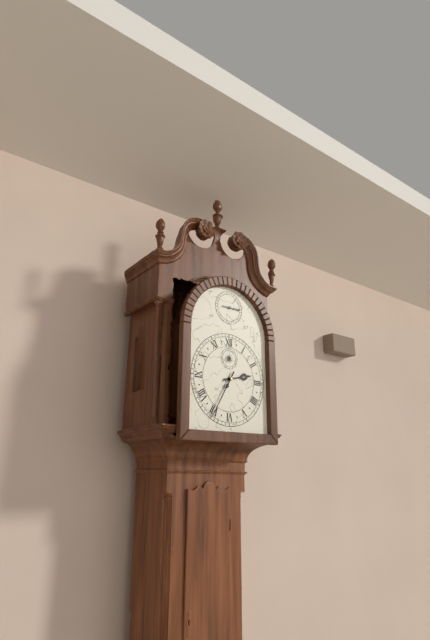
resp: 2,35
